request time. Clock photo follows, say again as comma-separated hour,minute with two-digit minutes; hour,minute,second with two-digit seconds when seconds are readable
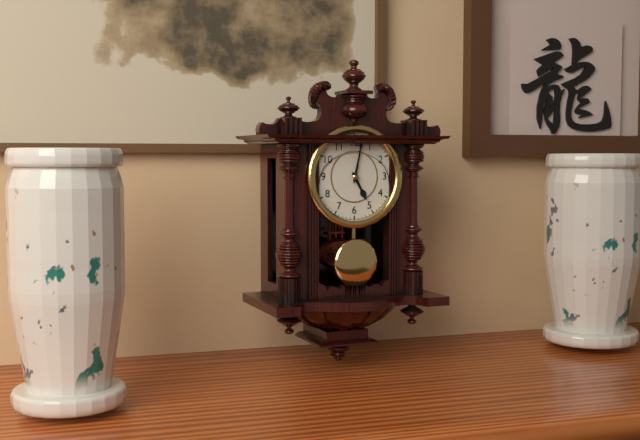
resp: 5,02
